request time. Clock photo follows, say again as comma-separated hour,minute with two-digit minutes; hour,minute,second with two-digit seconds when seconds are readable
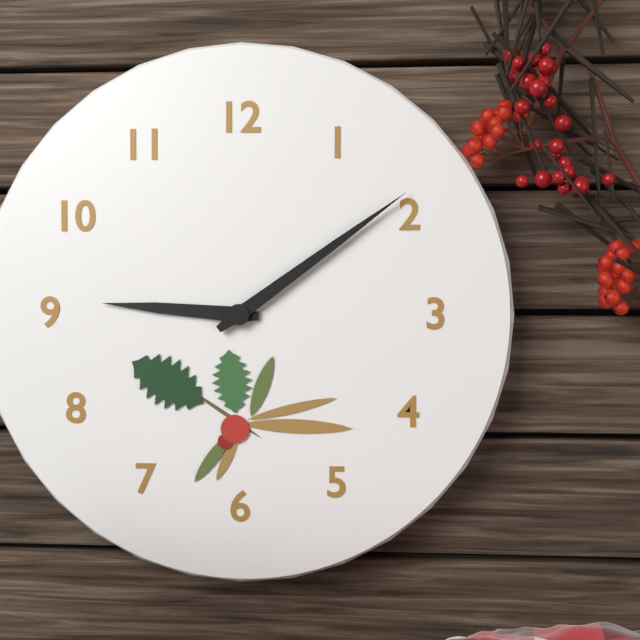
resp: 9,09
